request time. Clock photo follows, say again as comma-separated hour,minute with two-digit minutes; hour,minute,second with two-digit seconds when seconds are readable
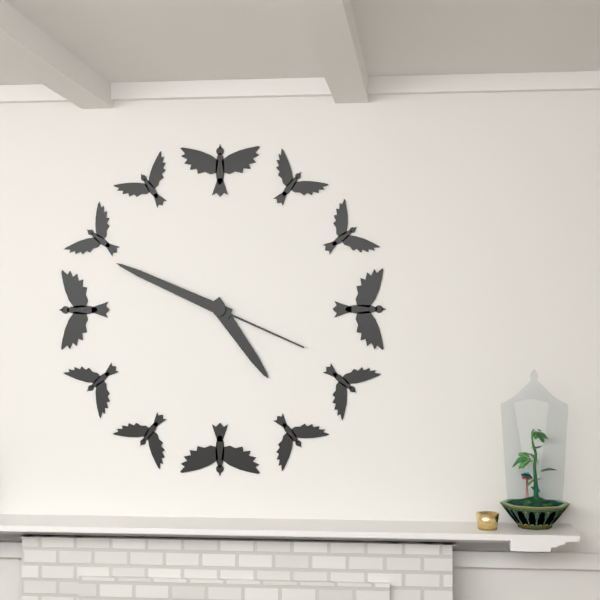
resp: 4,49,19
